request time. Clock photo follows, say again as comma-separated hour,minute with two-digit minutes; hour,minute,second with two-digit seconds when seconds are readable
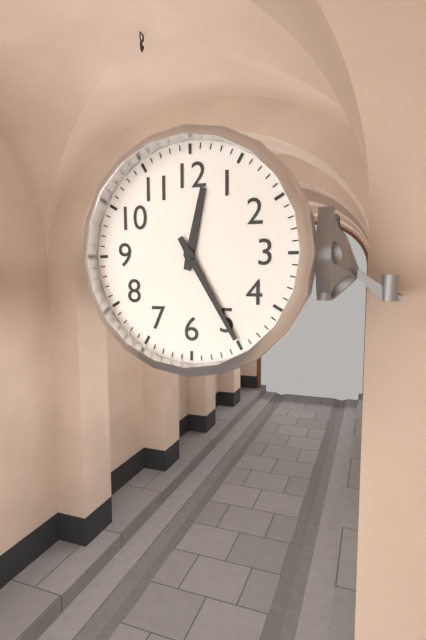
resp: 12,25
